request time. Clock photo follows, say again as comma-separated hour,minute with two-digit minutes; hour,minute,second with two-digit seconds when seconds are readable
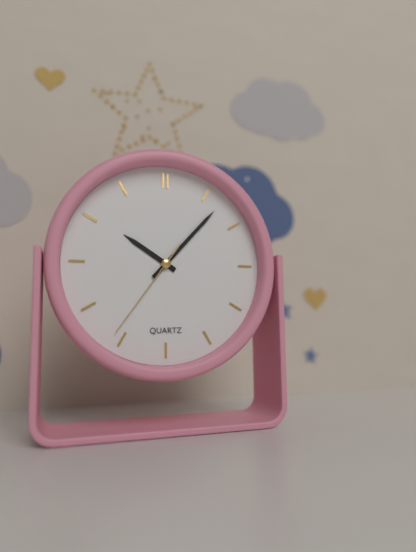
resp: 10,07,36
